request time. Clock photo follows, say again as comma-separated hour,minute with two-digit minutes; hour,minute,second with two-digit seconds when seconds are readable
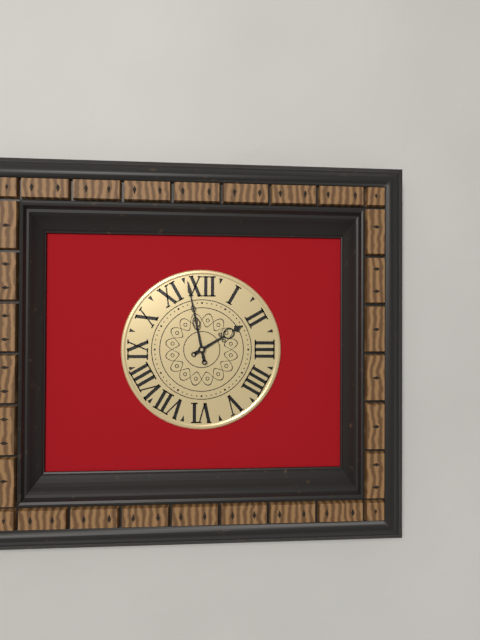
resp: 1,58
